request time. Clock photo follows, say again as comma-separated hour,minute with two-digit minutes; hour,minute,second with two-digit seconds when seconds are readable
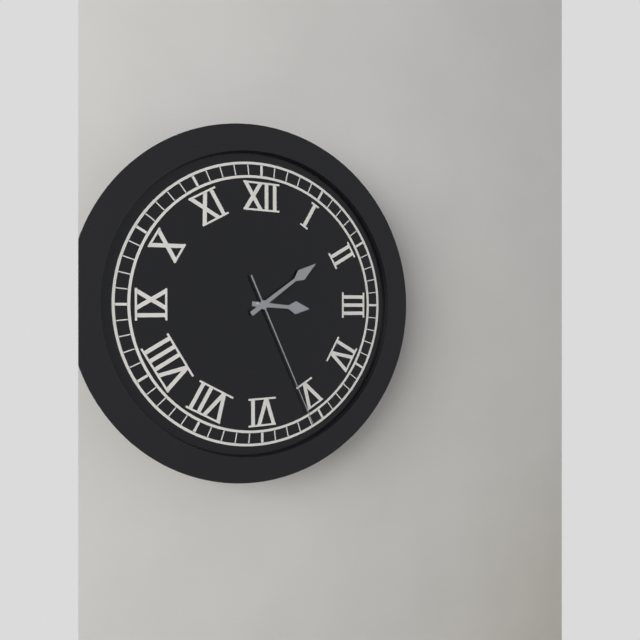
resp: 3,09,26
